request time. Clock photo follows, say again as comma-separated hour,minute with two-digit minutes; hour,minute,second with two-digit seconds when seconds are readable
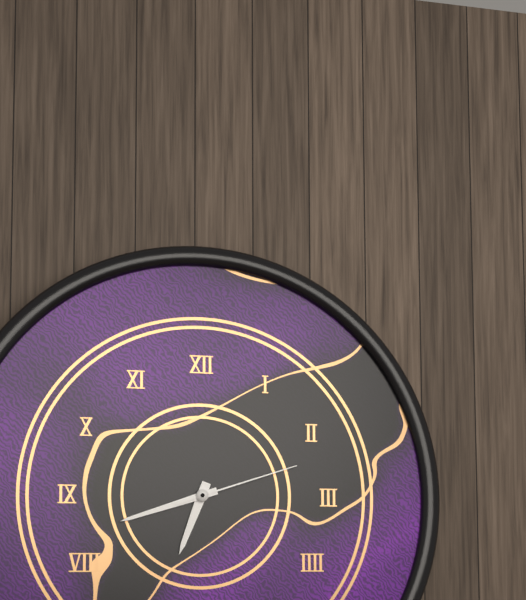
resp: 6,42,12
